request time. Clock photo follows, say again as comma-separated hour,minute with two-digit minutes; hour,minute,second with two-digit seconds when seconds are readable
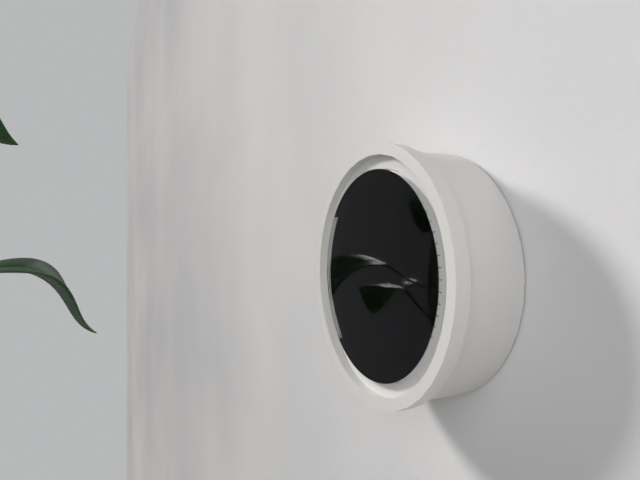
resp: 5,18,55
